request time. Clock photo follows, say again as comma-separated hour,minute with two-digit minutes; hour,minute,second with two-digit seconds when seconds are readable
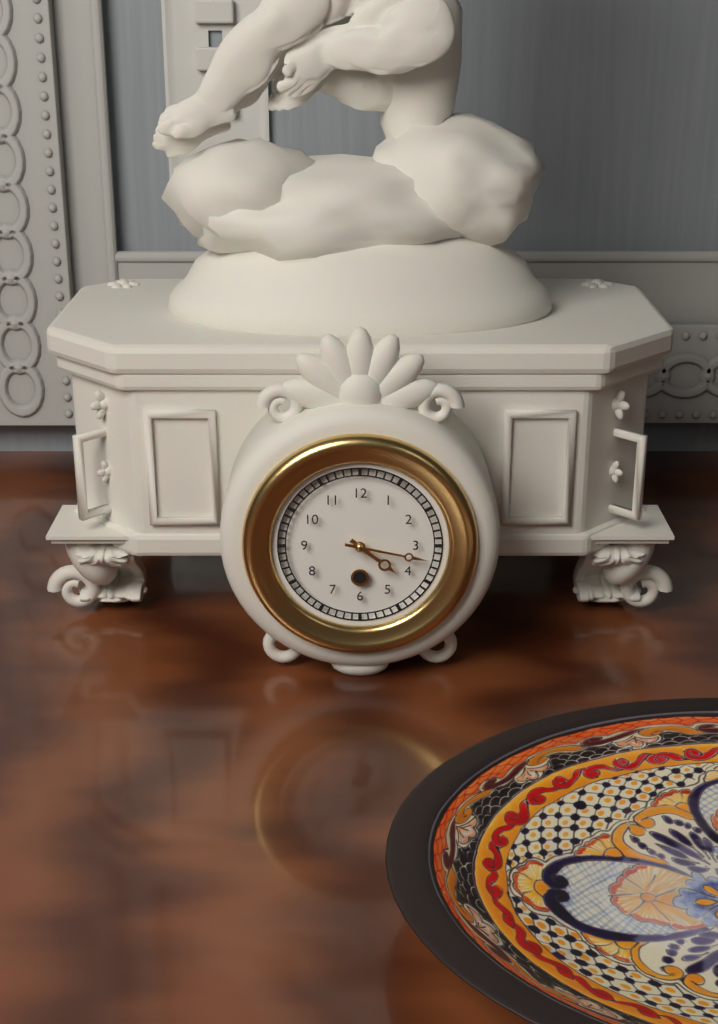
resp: 4,17
